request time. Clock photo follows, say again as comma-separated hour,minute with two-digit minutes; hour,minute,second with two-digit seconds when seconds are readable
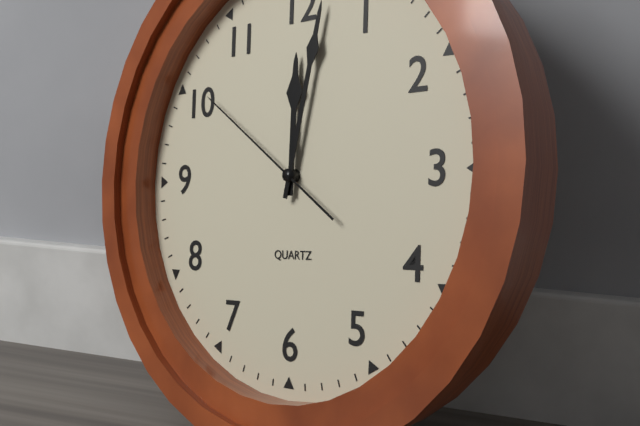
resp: 12,02,51
